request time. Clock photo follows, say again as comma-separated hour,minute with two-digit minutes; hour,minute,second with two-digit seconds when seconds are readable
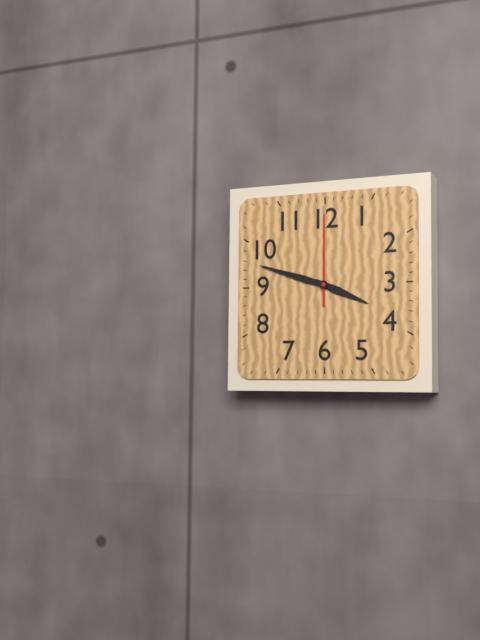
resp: 3,48,00
